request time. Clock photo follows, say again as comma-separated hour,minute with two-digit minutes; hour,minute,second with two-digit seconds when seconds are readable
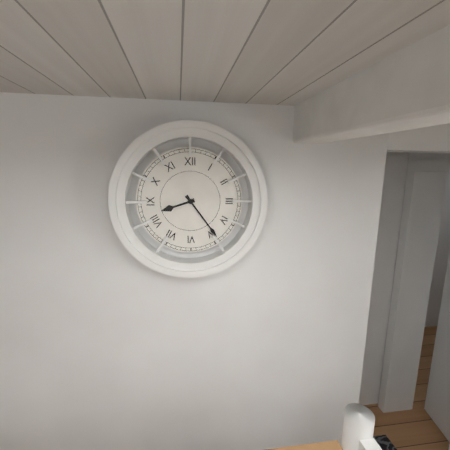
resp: 8,24
